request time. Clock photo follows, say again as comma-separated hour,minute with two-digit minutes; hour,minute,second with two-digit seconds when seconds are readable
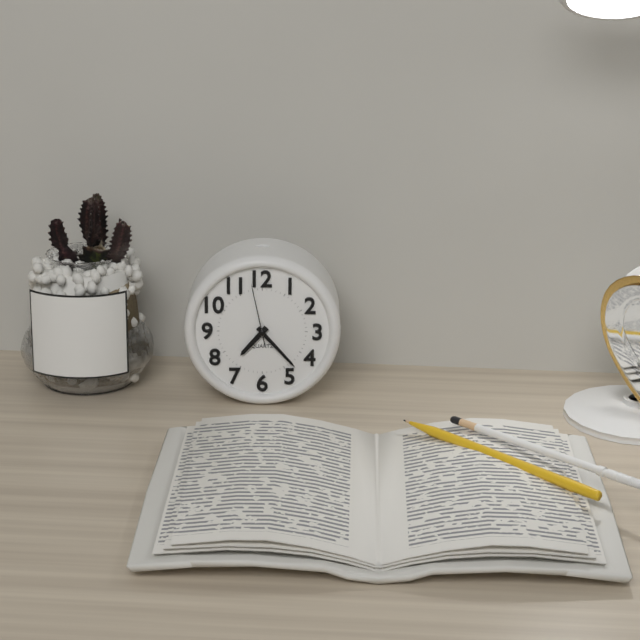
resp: 7,23,58
